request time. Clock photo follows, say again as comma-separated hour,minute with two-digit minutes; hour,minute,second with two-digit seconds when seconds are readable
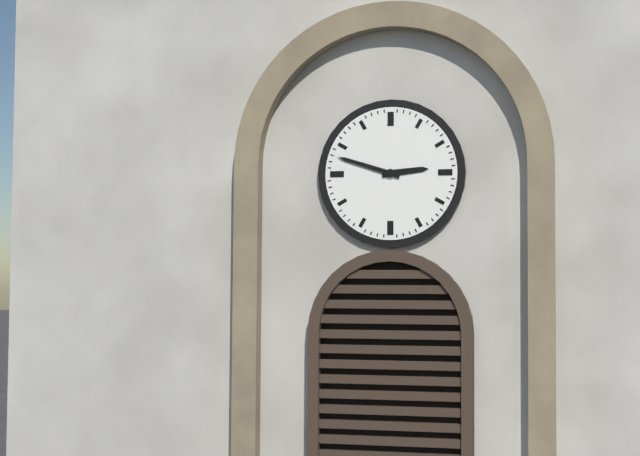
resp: 2,48
